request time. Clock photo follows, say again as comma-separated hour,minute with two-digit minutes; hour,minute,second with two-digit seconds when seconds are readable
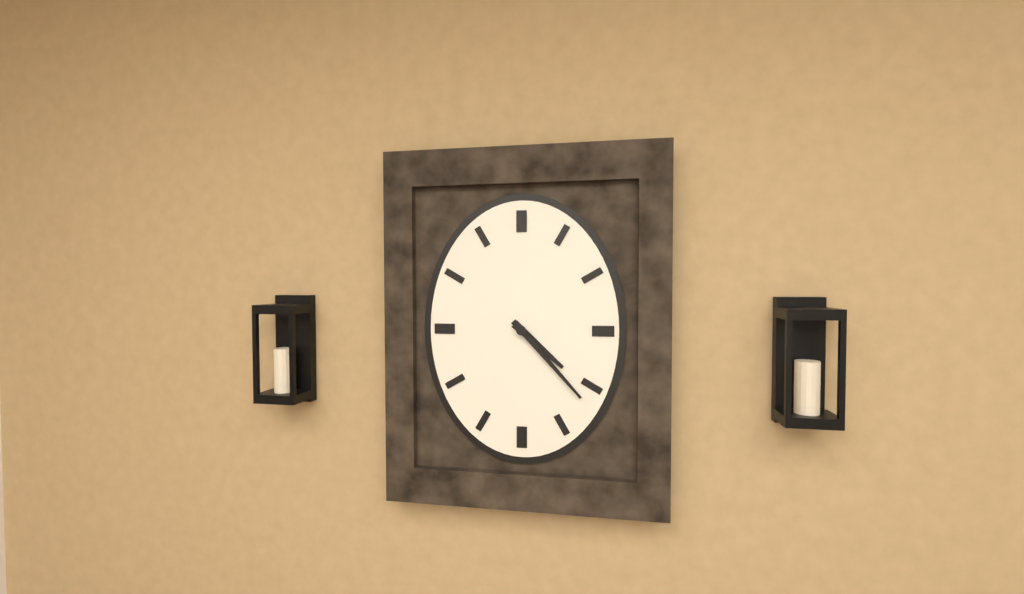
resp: 4,23
